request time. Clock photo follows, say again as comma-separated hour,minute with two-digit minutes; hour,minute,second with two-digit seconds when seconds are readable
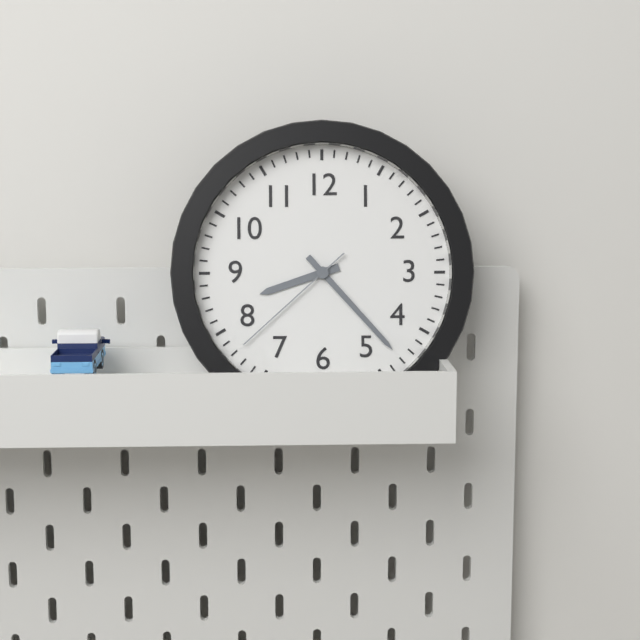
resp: 8,23,38
